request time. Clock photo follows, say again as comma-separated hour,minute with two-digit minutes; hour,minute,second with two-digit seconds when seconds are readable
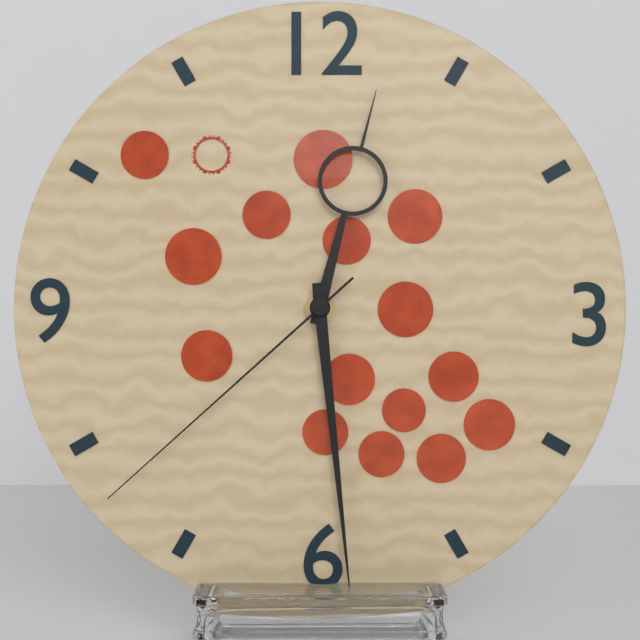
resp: 12,29,38
